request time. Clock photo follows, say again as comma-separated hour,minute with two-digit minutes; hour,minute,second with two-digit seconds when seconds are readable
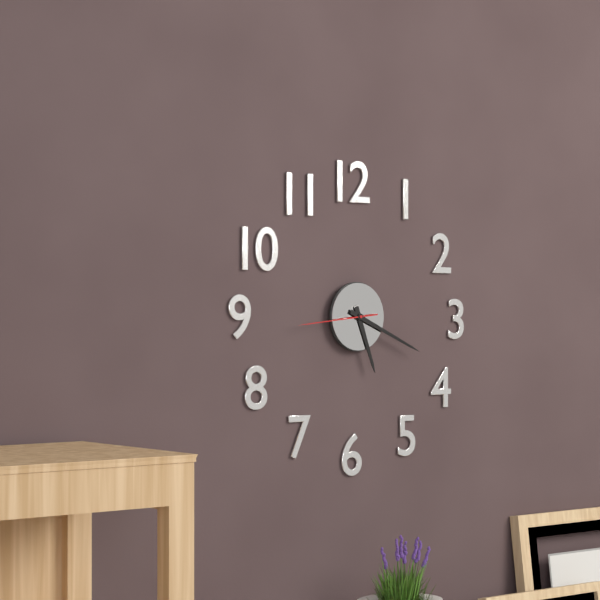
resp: 5,19,44
